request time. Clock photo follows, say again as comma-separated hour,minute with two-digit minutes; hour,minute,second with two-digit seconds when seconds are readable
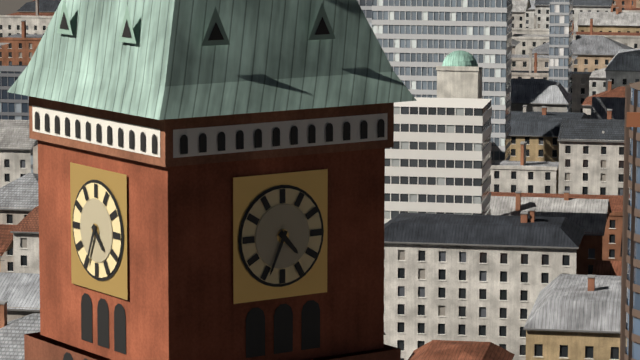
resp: 4,34
